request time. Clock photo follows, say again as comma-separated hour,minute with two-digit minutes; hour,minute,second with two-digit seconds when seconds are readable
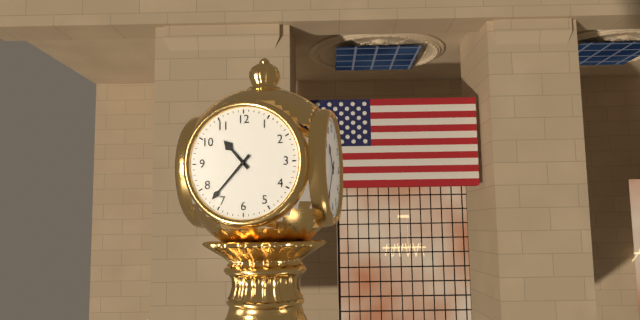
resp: 10,37
